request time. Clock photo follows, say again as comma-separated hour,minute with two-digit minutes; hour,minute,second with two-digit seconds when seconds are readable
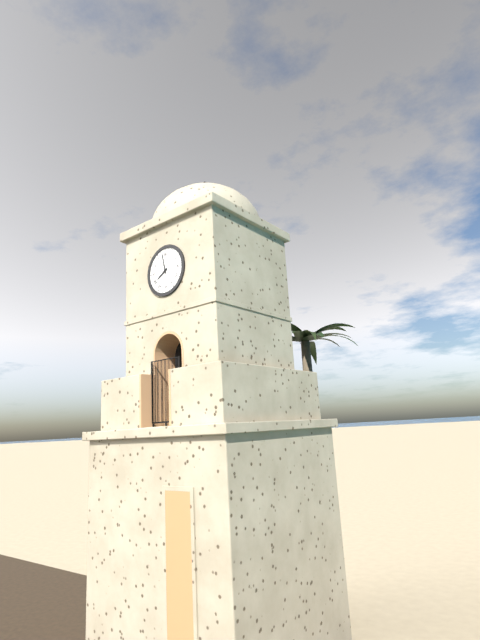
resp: 7,58
